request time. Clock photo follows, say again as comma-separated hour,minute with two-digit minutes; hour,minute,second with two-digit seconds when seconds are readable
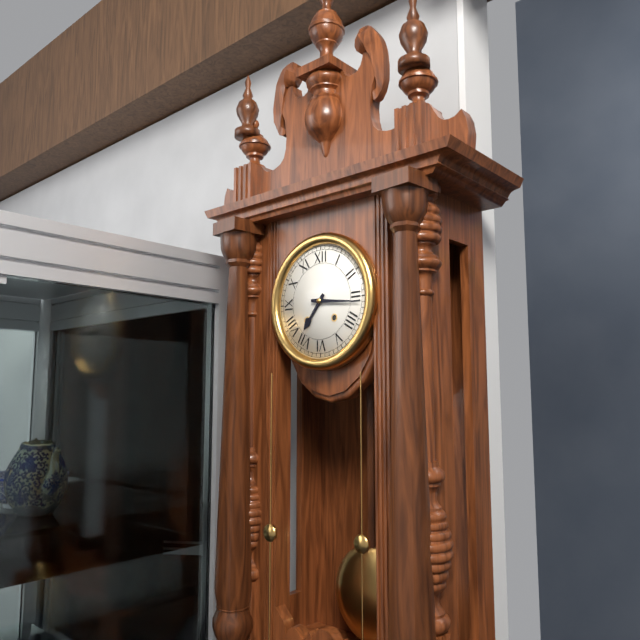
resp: 7,16
